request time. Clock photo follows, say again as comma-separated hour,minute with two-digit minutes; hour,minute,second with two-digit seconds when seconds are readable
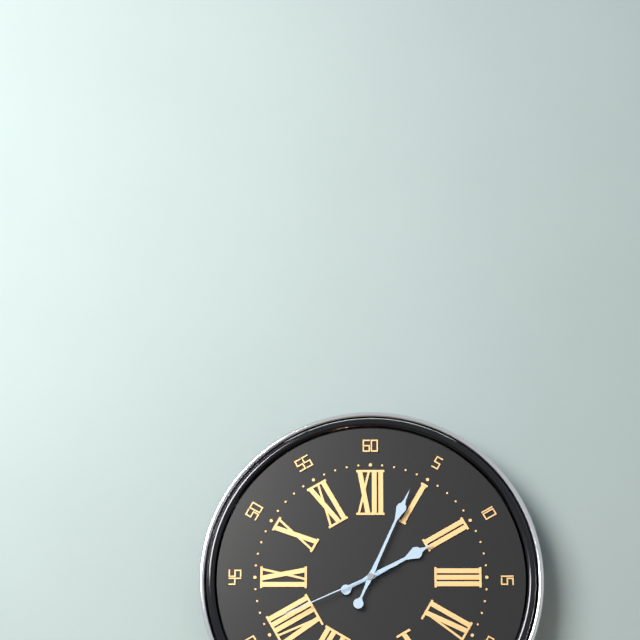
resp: 2,04,41
